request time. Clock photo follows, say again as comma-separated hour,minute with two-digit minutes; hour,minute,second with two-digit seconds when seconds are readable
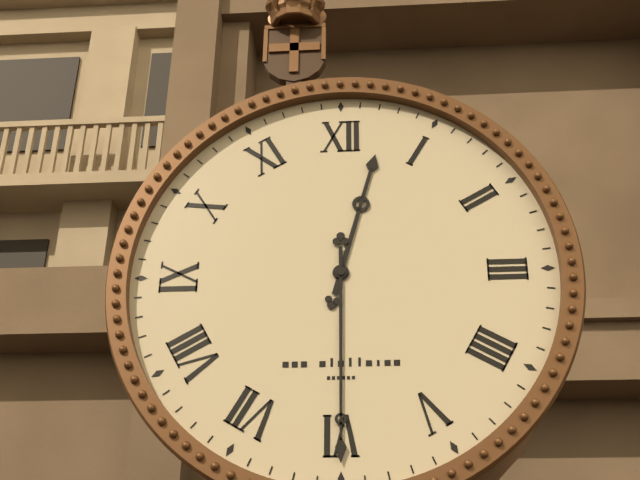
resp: 12,30
